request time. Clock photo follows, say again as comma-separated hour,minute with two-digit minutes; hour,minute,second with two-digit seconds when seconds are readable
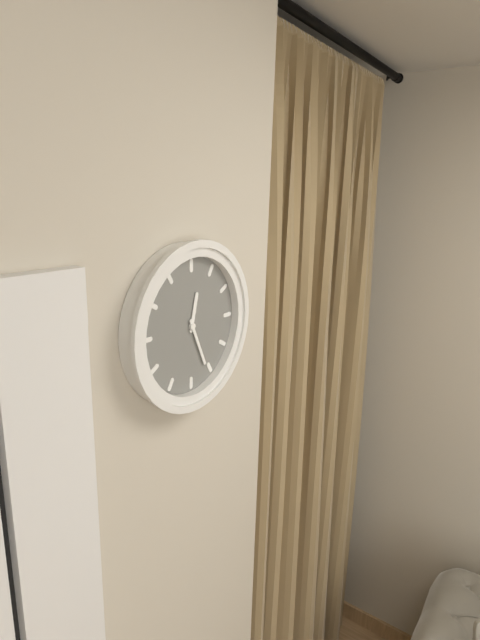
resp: 12,26
